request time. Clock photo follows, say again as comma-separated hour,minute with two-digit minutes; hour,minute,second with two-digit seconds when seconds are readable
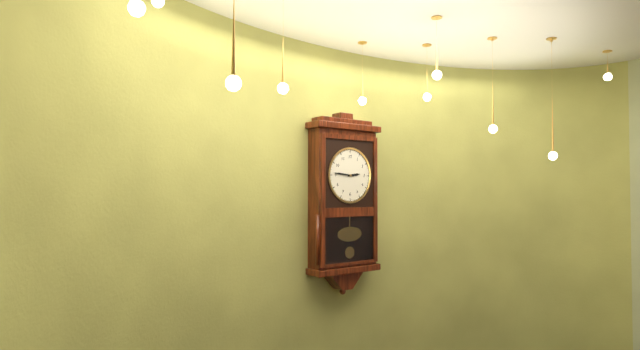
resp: 2,46
